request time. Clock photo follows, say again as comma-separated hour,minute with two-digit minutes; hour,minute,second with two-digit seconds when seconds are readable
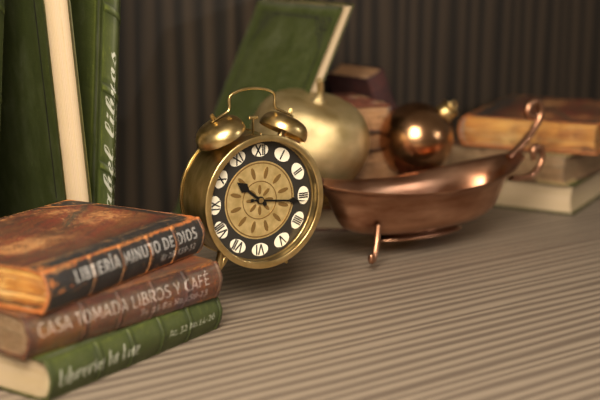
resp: 10,16
